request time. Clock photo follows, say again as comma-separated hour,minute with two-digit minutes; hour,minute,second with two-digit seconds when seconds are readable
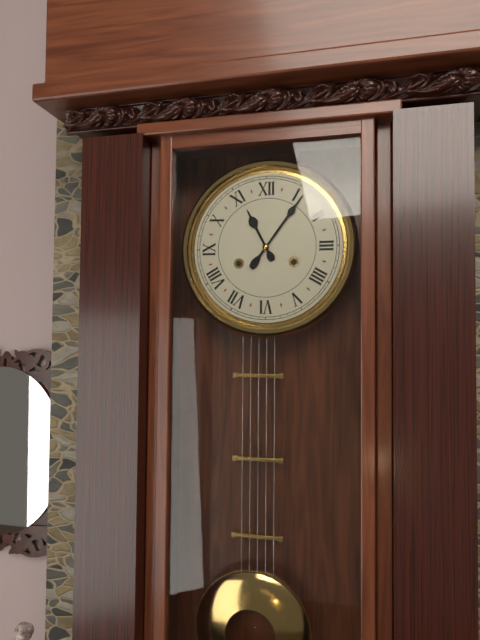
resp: 11,06
